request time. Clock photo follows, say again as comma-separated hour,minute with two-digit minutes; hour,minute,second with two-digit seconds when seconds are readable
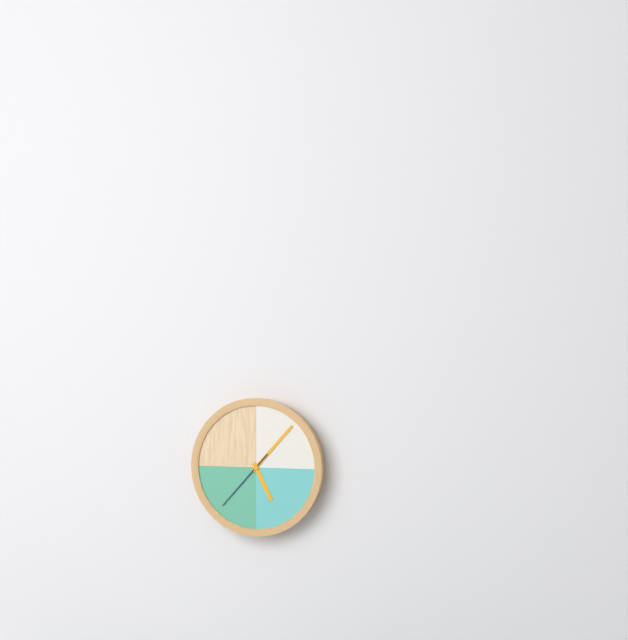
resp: 5,07,37
